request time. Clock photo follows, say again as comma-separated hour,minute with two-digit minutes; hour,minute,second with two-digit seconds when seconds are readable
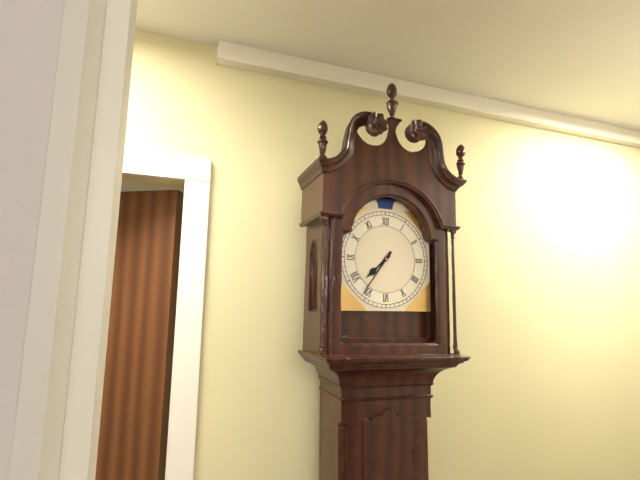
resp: 7,36
